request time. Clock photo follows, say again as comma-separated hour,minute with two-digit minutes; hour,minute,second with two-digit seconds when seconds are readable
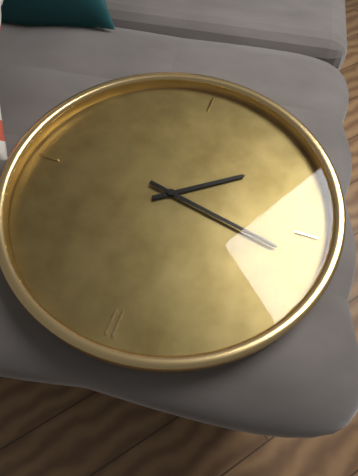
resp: 7,47
